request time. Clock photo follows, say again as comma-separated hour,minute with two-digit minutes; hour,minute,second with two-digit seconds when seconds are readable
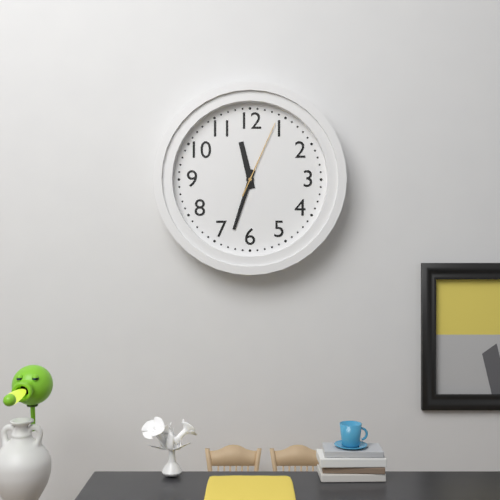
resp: 11,33,04
